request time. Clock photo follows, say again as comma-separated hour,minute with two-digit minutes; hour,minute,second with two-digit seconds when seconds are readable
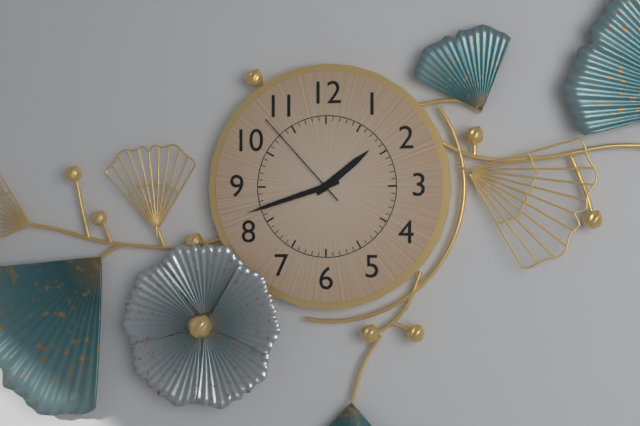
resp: 1,42,53
